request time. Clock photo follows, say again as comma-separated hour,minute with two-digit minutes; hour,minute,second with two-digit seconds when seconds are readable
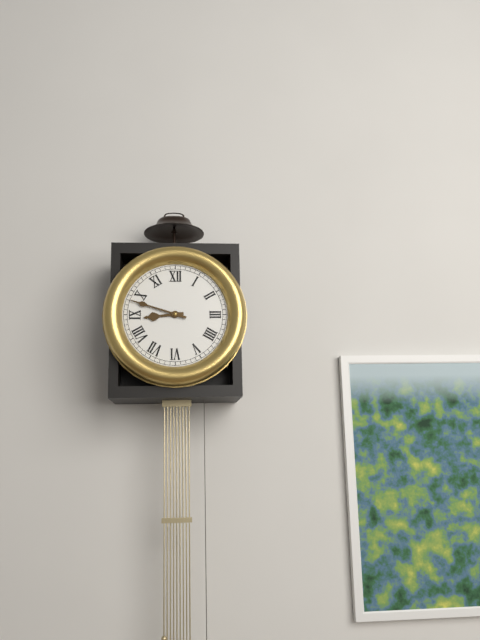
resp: 8,48
